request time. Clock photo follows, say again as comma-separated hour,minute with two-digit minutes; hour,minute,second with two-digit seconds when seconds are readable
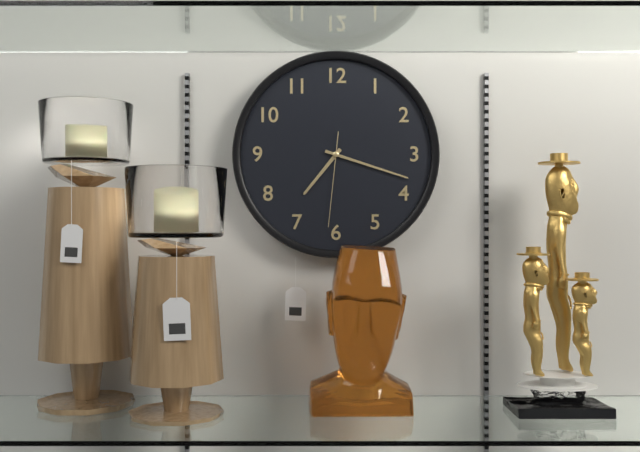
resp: 7,18,31
